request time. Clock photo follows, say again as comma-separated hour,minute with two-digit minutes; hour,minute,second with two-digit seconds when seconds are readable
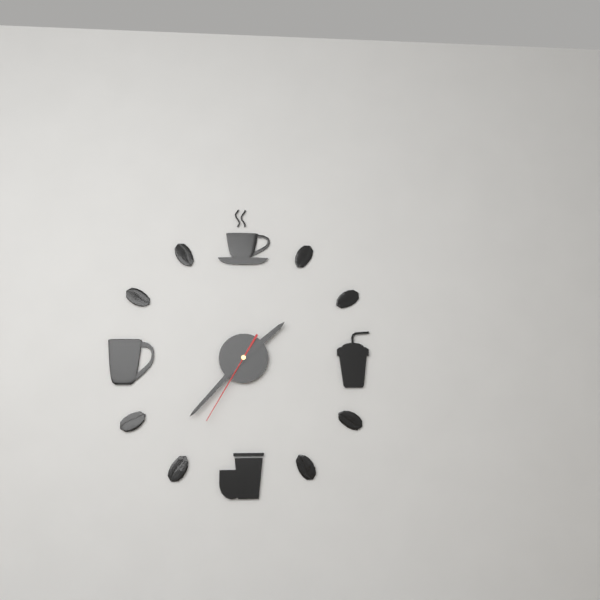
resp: 1,37,35
